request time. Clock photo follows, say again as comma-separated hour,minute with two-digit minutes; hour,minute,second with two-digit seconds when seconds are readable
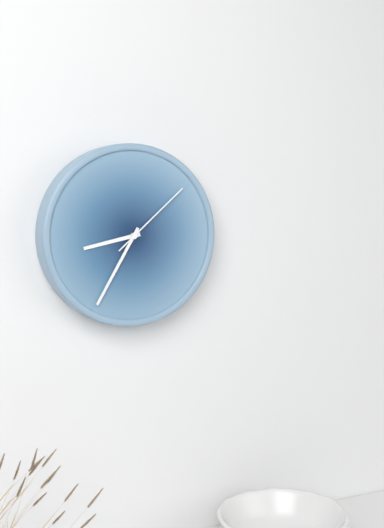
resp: 8,35,08
